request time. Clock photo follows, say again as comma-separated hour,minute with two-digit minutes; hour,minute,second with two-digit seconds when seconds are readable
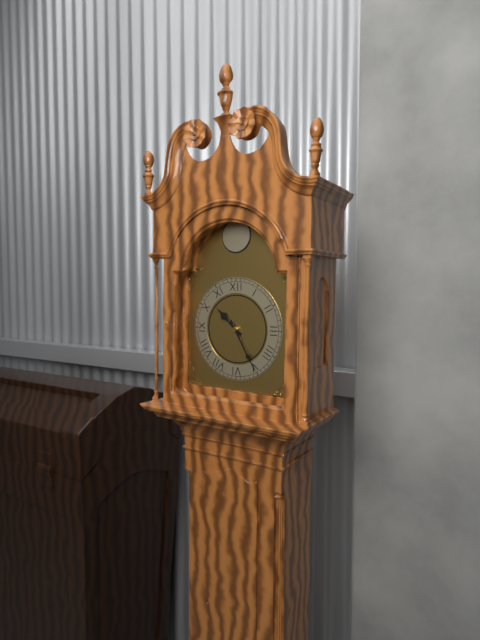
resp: 10,25
